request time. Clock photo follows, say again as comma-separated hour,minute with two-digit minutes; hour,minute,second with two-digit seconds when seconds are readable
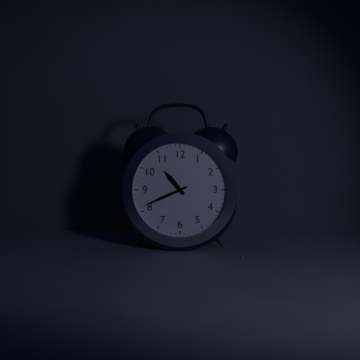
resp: 10,41
